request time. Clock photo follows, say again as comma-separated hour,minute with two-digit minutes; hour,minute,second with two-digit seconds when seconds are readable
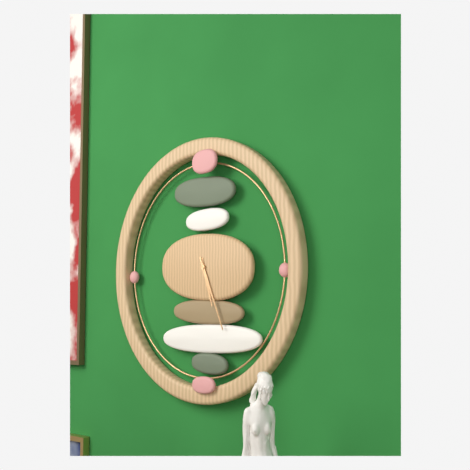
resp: 5,26
